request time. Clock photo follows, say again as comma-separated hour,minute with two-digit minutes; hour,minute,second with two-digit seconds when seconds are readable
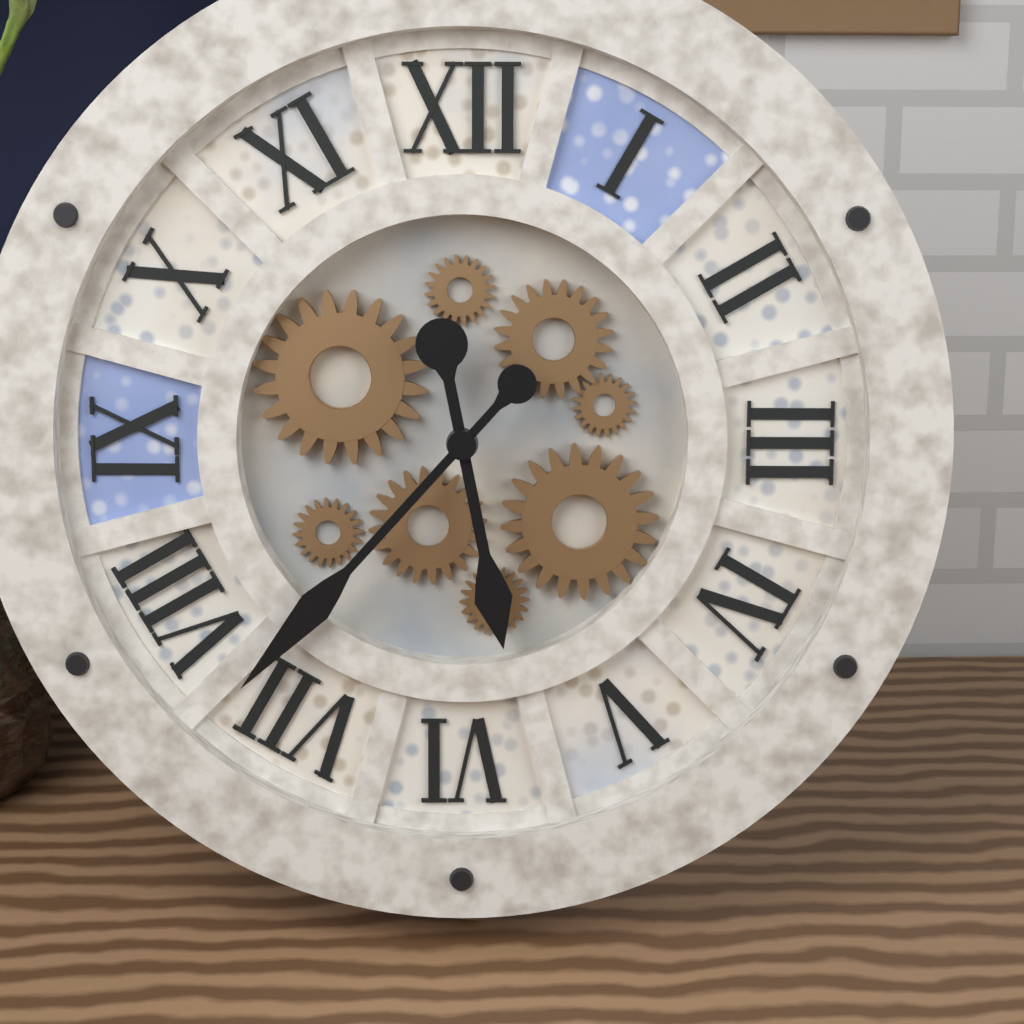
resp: 5,37
